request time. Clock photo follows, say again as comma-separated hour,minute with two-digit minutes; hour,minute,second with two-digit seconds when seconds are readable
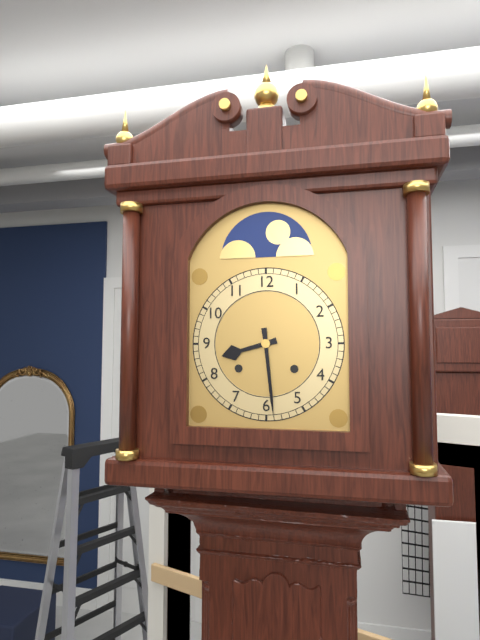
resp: 8,29
